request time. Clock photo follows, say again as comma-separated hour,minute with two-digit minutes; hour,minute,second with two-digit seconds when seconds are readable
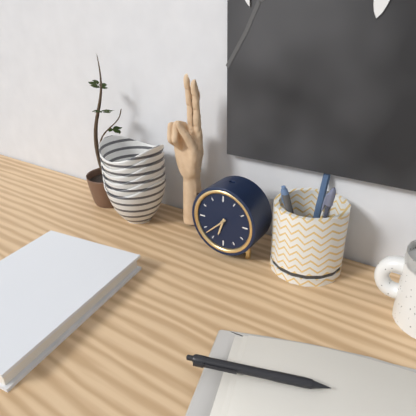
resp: 6,38
